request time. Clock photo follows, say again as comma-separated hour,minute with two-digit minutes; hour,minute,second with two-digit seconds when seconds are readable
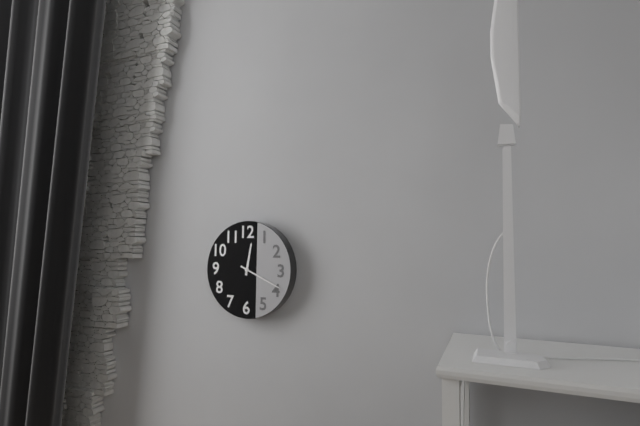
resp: 12,19
